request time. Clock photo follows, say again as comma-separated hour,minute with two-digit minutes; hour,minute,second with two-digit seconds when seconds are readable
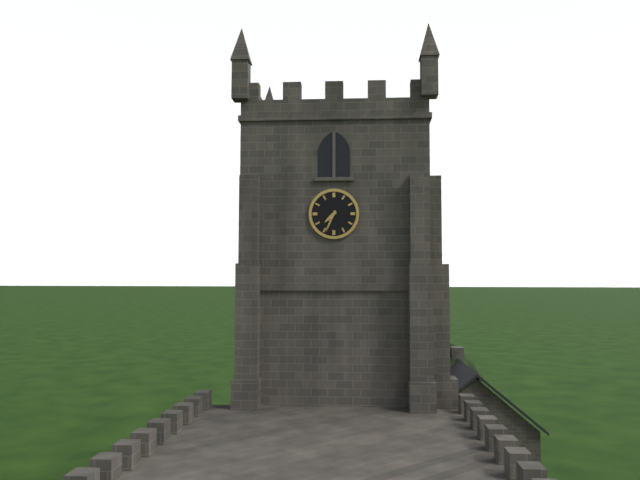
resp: 7,34
